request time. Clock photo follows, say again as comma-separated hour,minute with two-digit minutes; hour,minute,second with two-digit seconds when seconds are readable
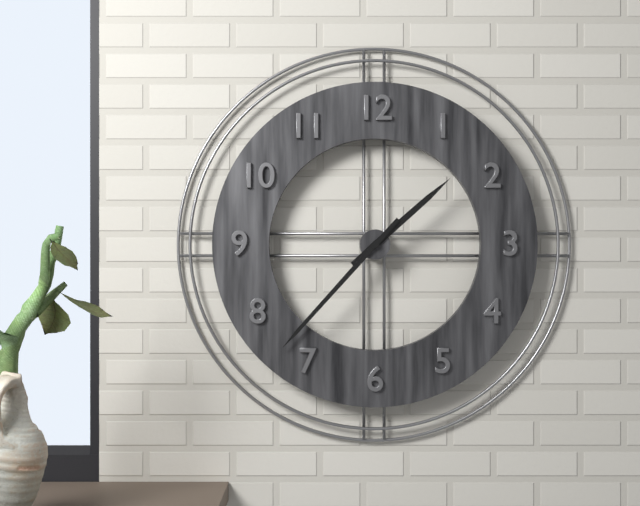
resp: 1,37
